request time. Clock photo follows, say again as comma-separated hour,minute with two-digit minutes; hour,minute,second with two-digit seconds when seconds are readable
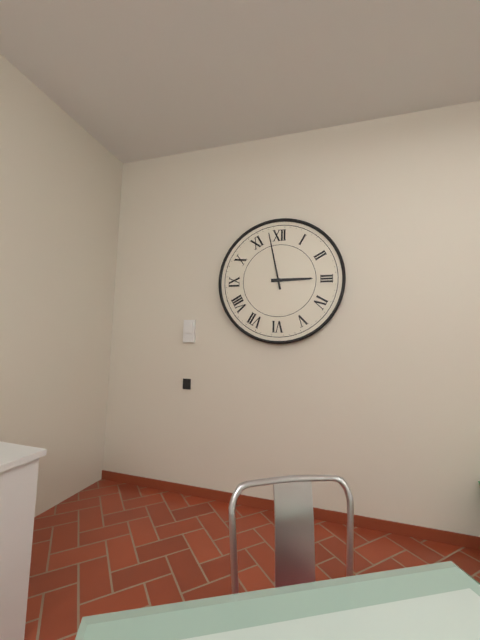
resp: 2,58
